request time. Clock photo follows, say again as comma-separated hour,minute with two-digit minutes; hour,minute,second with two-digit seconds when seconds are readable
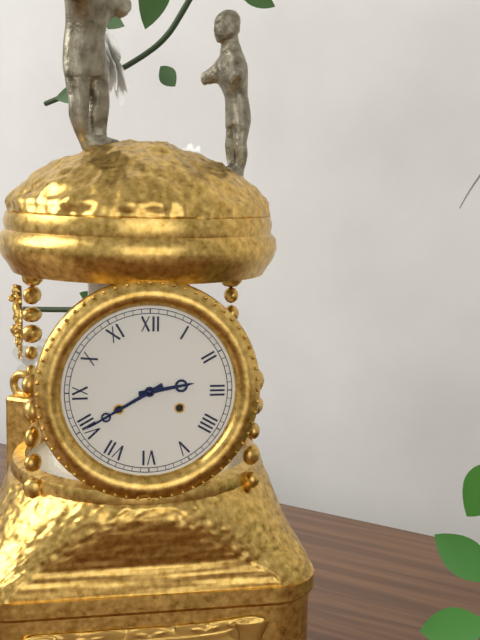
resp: 2,40
